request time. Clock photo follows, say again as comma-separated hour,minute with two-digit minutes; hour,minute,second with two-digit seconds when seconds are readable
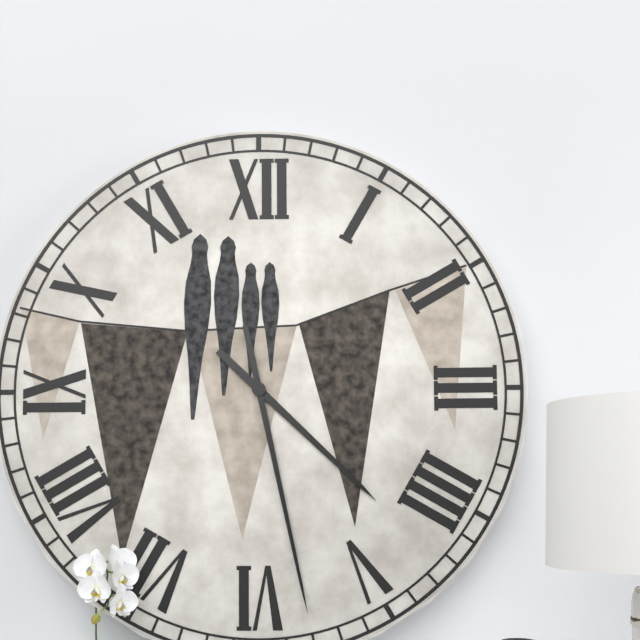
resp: 4,28
